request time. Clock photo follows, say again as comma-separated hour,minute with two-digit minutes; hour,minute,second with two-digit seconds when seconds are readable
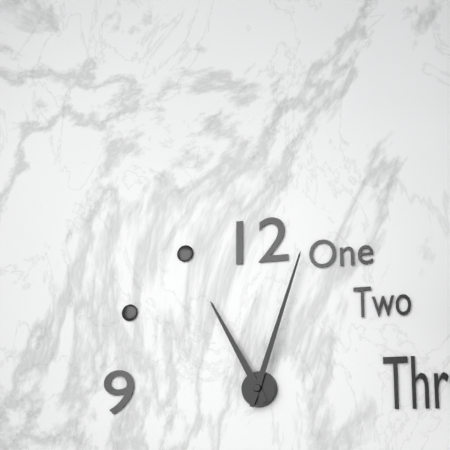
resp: 11,03
